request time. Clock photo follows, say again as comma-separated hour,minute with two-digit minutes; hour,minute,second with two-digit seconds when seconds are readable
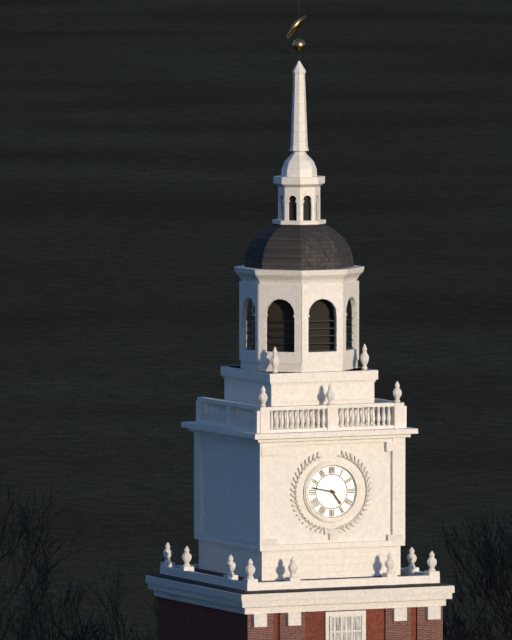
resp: 4,47
